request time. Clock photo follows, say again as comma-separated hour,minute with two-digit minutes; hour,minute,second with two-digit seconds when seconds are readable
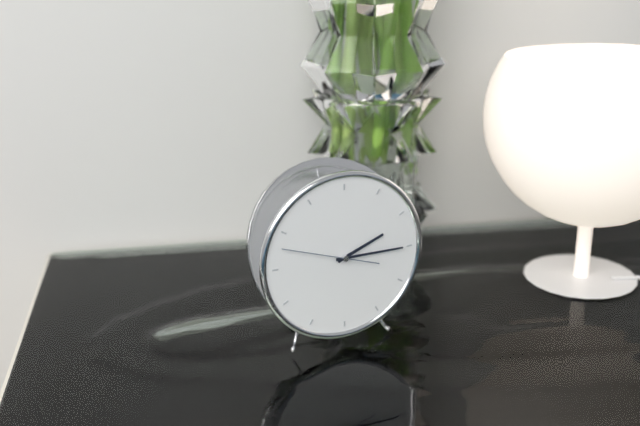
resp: 2,15,48
